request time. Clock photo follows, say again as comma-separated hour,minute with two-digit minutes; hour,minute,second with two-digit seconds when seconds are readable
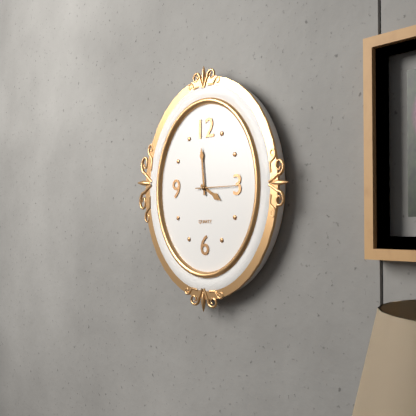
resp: 3,59
